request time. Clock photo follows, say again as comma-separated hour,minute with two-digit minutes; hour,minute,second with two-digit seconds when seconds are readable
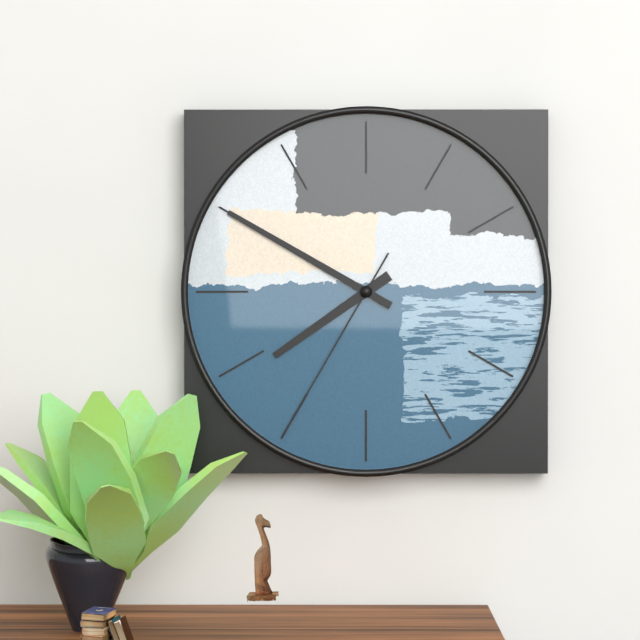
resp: 7,50,35
